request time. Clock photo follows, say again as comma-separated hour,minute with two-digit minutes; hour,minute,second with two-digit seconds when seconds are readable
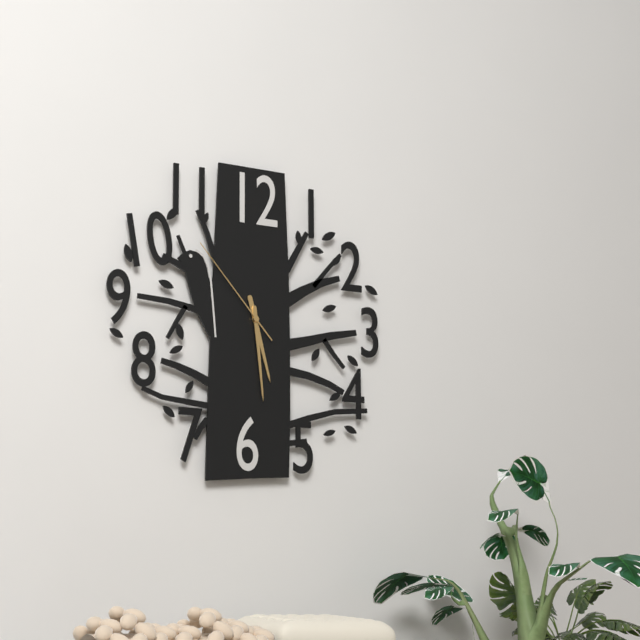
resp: 5,29,53
